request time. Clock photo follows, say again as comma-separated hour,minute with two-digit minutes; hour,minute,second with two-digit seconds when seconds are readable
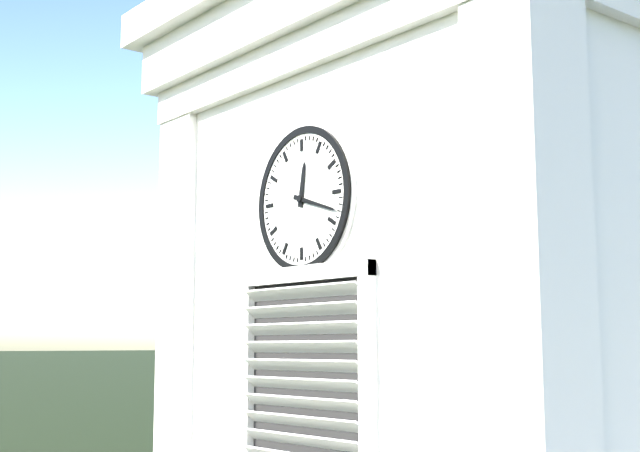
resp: 12,18
